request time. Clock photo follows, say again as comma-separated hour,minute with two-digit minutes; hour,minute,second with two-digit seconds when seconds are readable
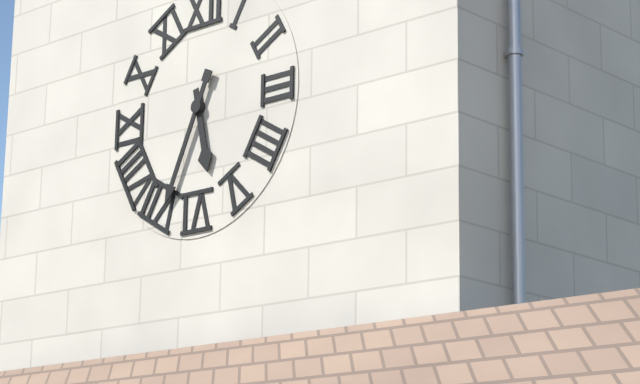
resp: 5,34
